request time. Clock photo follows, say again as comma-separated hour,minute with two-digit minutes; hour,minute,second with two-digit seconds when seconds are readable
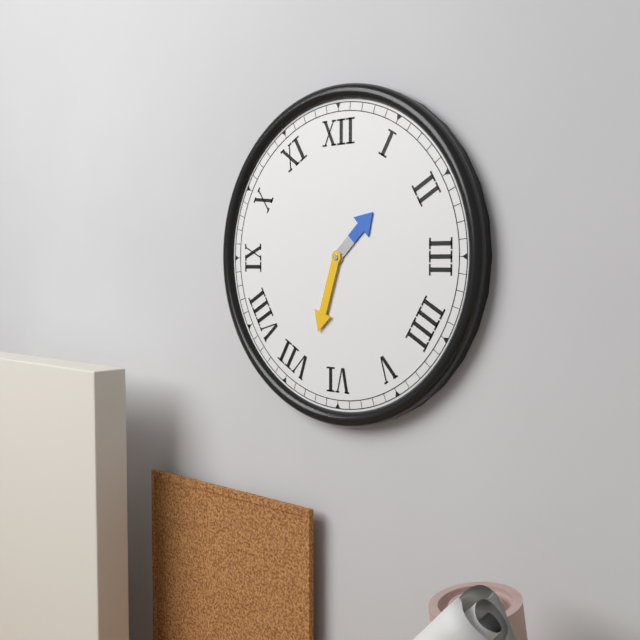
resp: 1,33
